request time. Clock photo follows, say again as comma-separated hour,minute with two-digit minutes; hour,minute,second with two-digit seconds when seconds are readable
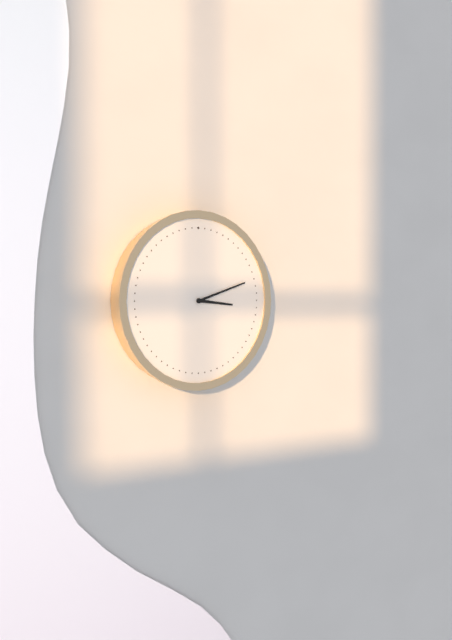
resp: 3,12
